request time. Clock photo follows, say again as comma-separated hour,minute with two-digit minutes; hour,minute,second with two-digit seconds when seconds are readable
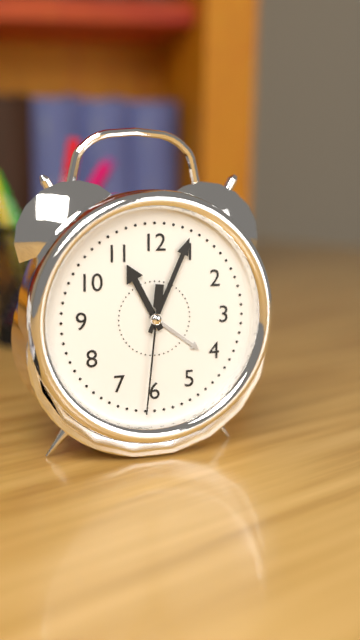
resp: 11,04,31
